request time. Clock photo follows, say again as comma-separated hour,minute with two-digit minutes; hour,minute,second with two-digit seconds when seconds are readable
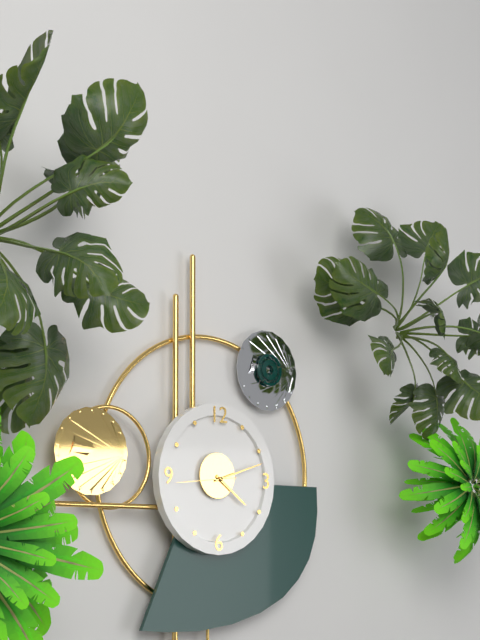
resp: 4,12,44
